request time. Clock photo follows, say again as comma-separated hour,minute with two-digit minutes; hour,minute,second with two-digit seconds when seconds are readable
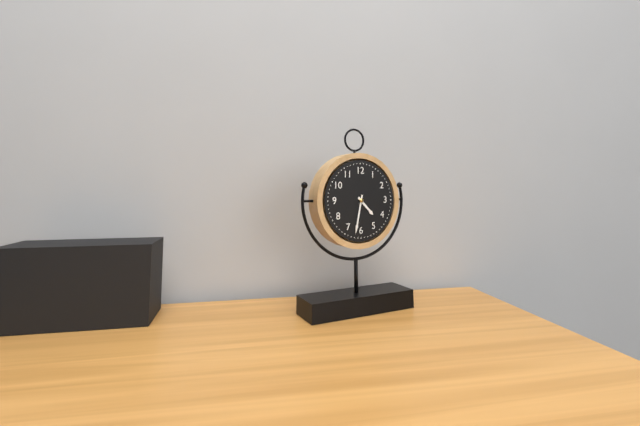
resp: 4,32
